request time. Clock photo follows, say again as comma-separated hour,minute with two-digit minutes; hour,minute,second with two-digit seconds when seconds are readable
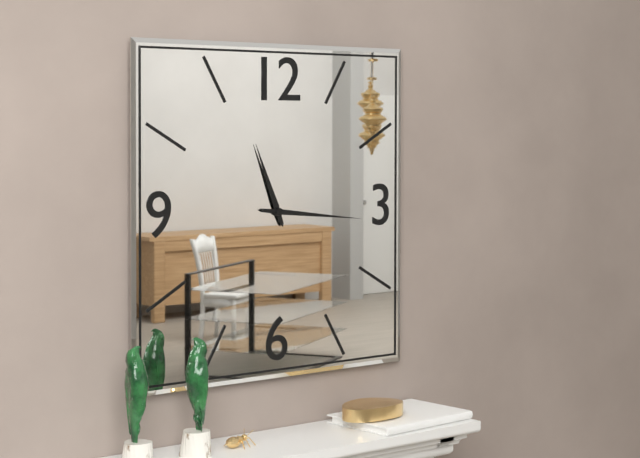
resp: 11,16
